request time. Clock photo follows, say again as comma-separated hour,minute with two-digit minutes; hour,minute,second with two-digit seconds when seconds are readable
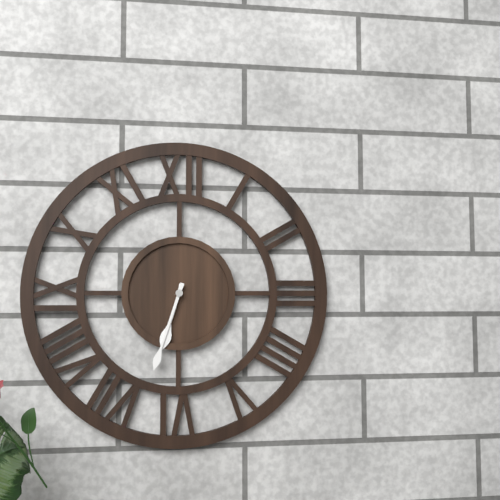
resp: 6,33
